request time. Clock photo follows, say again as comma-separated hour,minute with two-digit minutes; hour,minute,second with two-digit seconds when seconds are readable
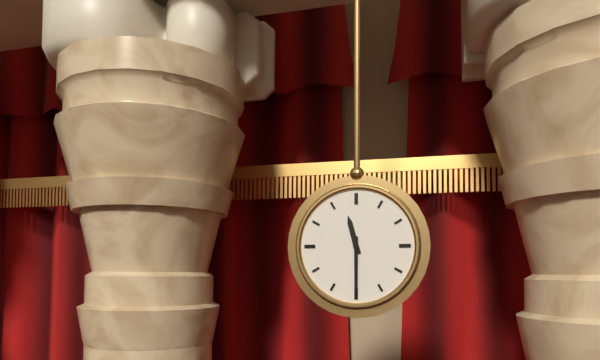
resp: 11,30
